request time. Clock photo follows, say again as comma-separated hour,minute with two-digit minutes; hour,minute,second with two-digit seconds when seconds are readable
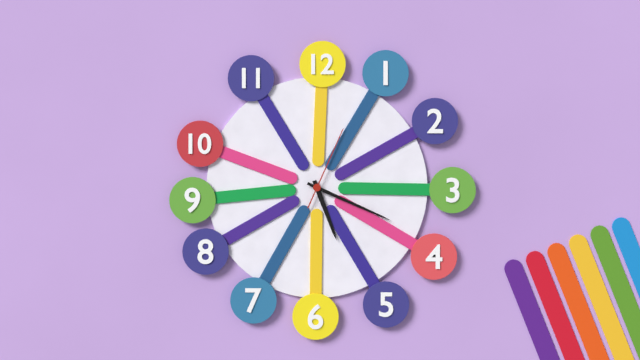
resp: 5,19,04
